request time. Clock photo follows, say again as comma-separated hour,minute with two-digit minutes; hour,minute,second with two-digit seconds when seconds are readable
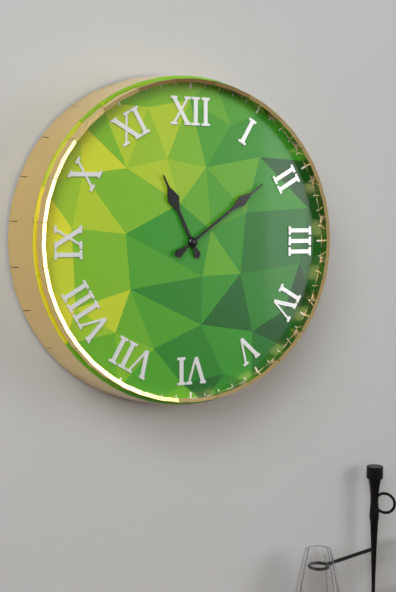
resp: 11,09
